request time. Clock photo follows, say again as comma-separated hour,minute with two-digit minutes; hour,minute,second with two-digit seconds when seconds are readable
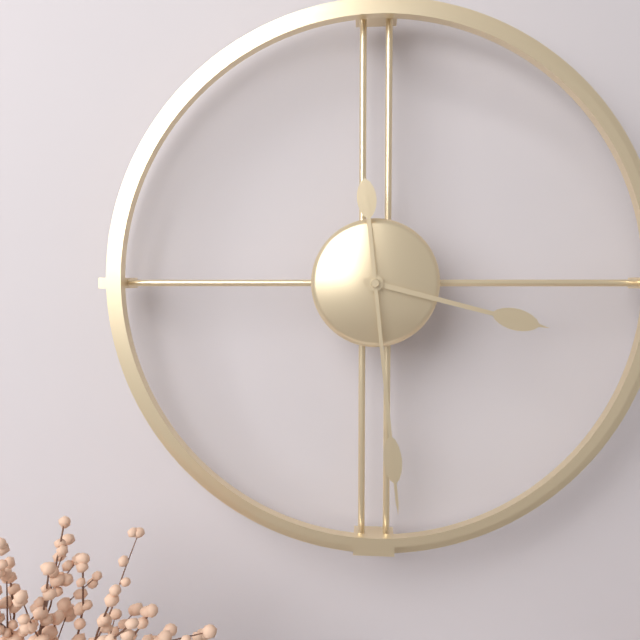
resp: 3,29
